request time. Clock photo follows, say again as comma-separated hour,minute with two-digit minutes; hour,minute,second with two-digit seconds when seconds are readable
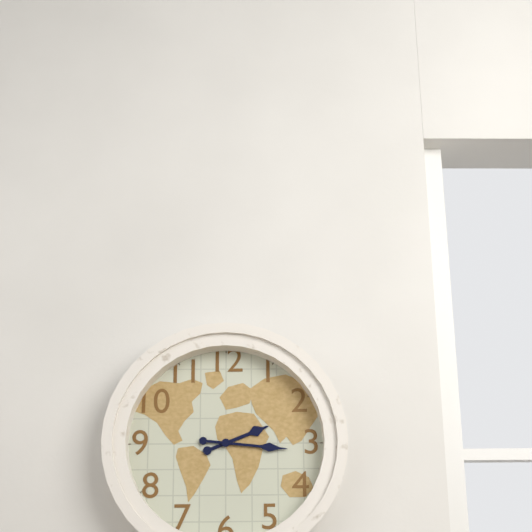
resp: 2,16
